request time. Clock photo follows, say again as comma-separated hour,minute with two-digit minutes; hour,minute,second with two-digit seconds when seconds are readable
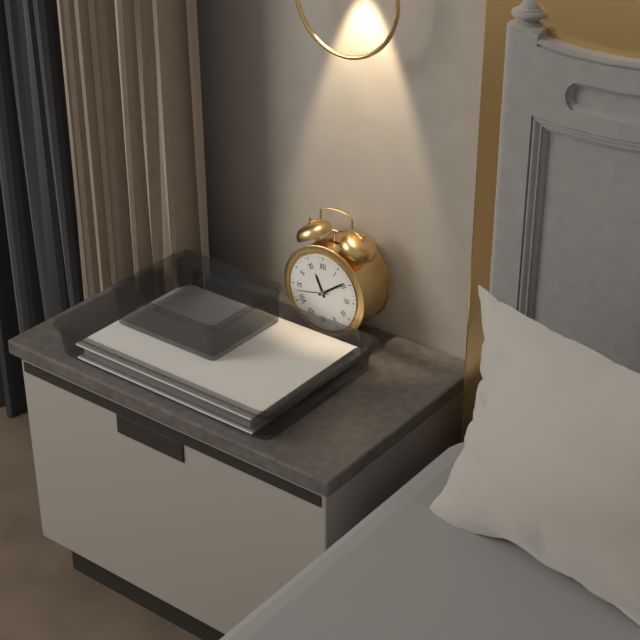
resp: 11,09
